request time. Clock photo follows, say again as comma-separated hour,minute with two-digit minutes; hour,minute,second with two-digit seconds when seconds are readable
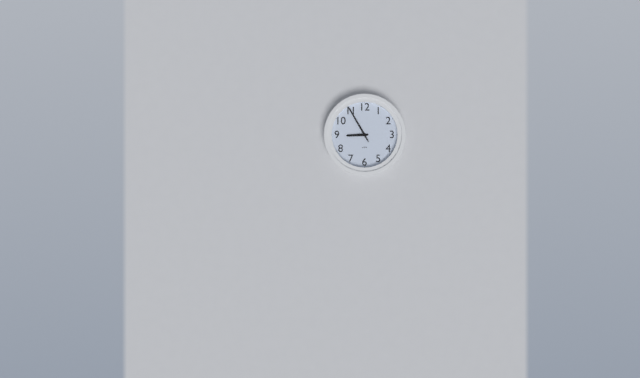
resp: 8,55
